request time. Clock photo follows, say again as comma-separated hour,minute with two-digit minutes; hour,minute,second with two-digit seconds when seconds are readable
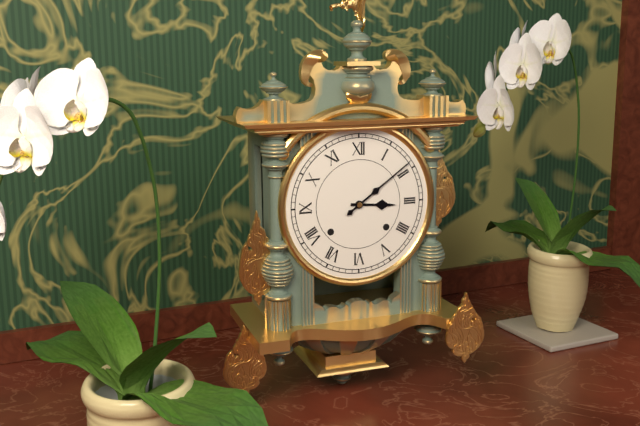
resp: 3,09
